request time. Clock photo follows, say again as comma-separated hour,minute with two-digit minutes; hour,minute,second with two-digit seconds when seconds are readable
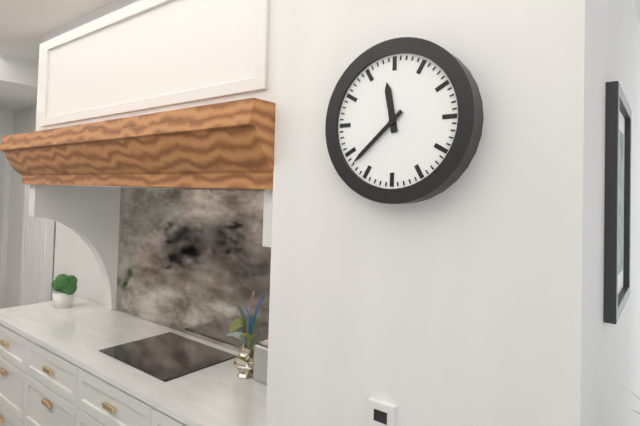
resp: 11,38
